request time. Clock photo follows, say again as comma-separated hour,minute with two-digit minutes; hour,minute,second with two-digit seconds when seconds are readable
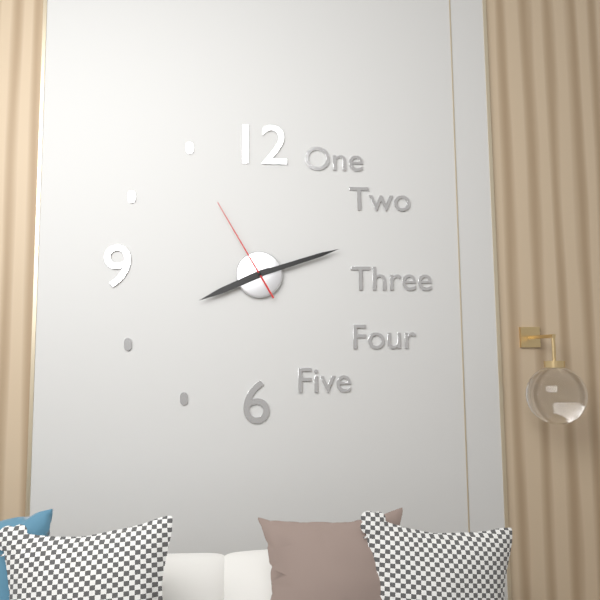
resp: 8,12,55
